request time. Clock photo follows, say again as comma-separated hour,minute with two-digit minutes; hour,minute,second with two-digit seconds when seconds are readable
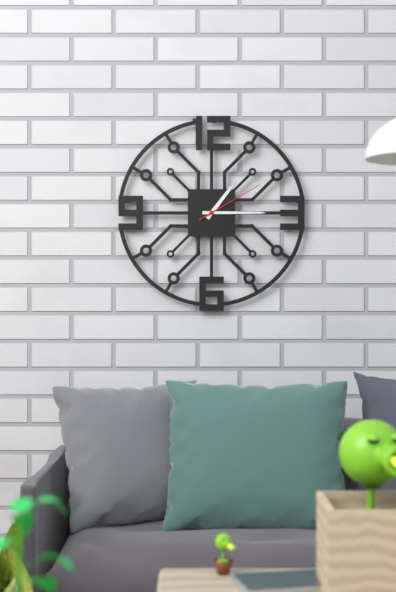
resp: 1,15,10
